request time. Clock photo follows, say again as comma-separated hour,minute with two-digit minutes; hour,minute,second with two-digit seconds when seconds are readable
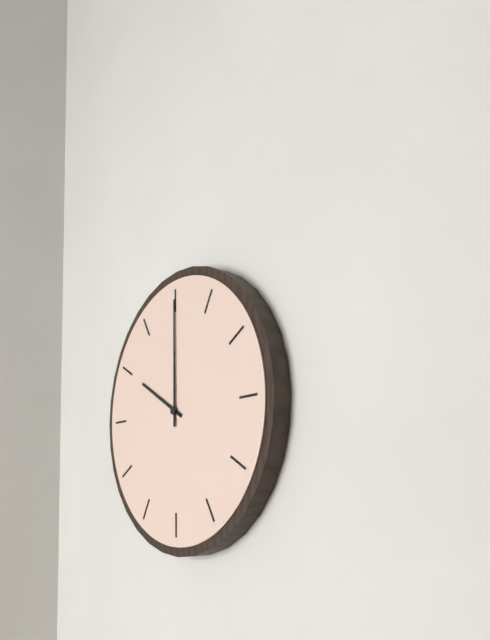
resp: 10,00
